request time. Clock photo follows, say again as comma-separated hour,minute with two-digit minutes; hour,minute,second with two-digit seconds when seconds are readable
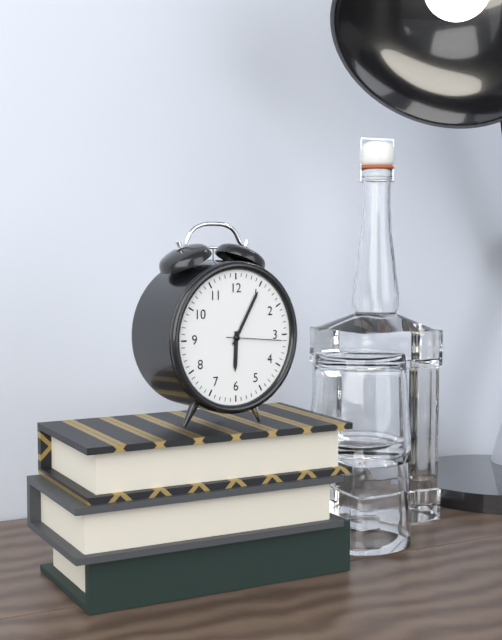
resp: 6,05,16
